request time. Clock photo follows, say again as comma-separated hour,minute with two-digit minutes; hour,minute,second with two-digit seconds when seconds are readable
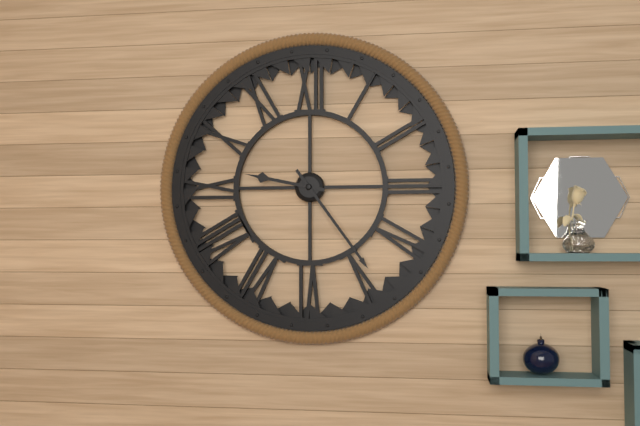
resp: 9,24
